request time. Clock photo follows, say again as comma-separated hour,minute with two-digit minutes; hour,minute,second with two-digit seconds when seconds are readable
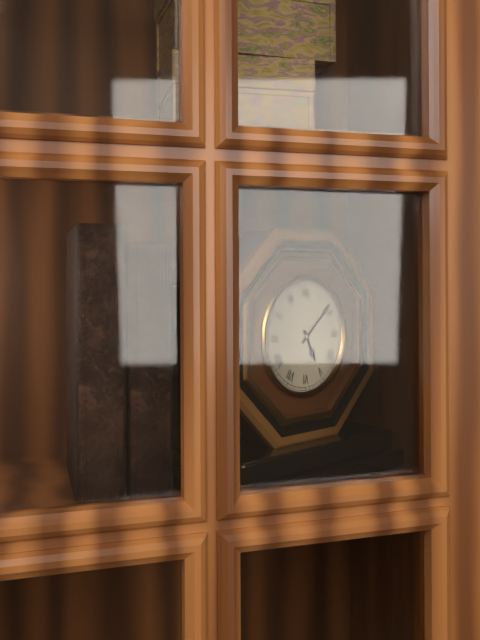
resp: 5,08
